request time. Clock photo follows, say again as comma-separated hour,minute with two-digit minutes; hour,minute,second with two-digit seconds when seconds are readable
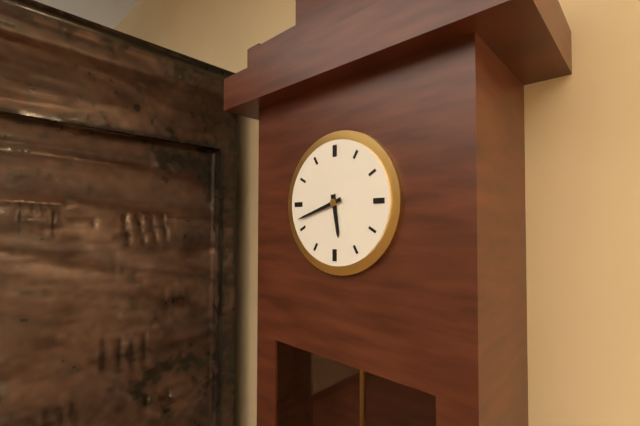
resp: 5,42
